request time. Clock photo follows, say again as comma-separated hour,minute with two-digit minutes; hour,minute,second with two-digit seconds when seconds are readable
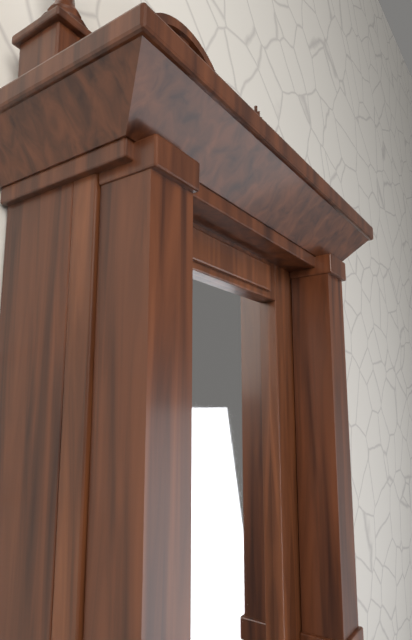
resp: 2,29
